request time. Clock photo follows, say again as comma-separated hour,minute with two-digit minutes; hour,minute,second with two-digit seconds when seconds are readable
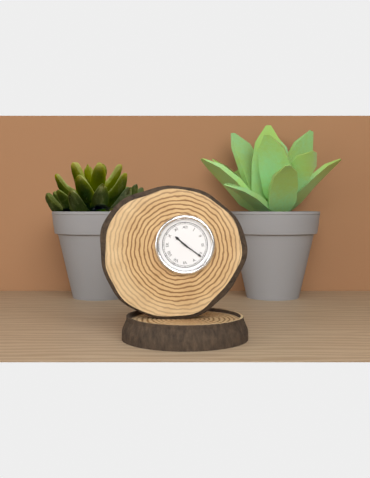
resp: 10,21
